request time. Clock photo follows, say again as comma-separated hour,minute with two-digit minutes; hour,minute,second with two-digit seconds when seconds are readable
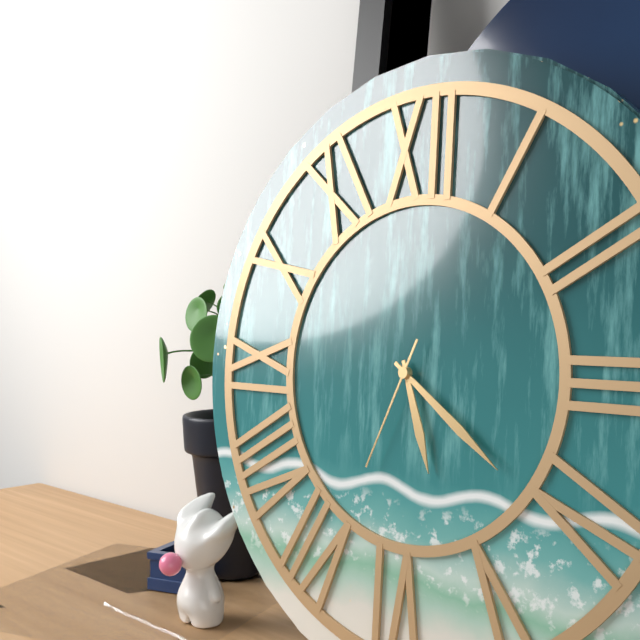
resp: 5,21,34
